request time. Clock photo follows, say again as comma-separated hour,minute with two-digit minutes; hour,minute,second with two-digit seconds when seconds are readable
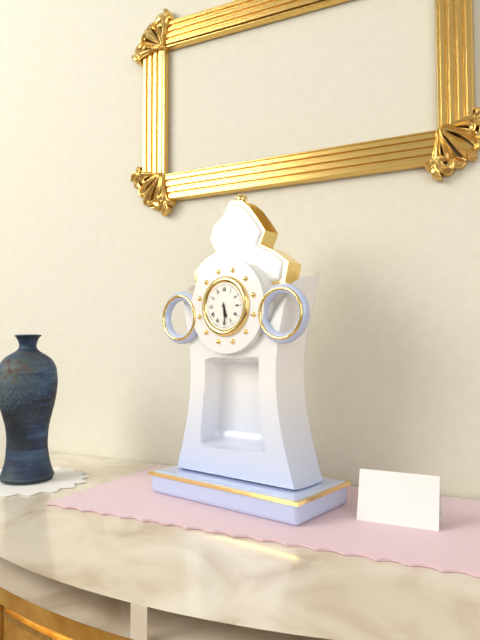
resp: 5,29
